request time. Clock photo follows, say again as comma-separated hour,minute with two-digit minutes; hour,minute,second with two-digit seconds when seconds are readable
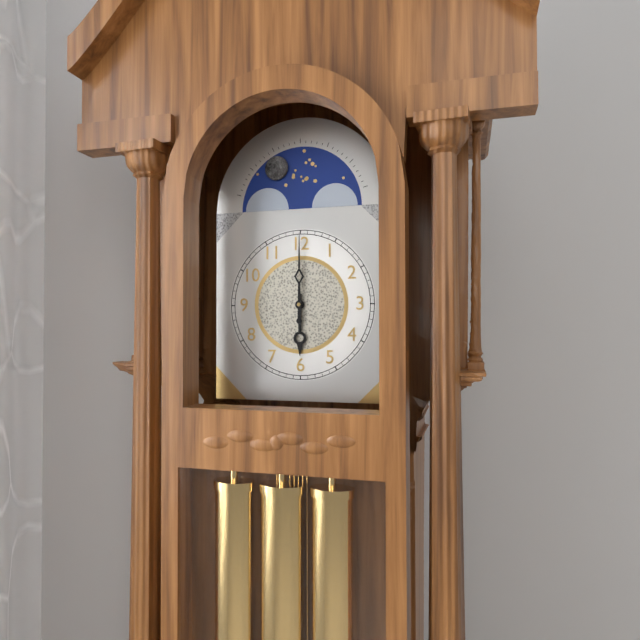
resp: 6,00
